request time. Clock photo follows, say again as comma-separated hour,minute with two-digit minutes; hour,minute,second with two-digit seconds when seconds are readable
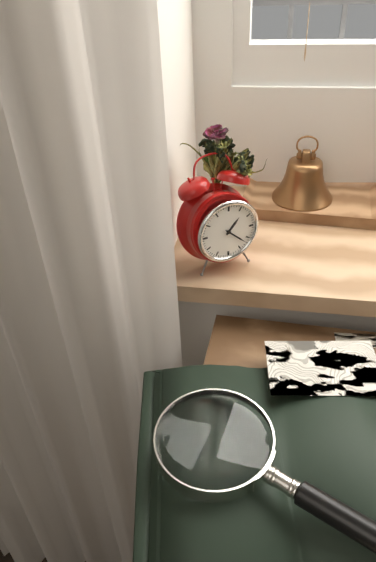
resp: 1,22
